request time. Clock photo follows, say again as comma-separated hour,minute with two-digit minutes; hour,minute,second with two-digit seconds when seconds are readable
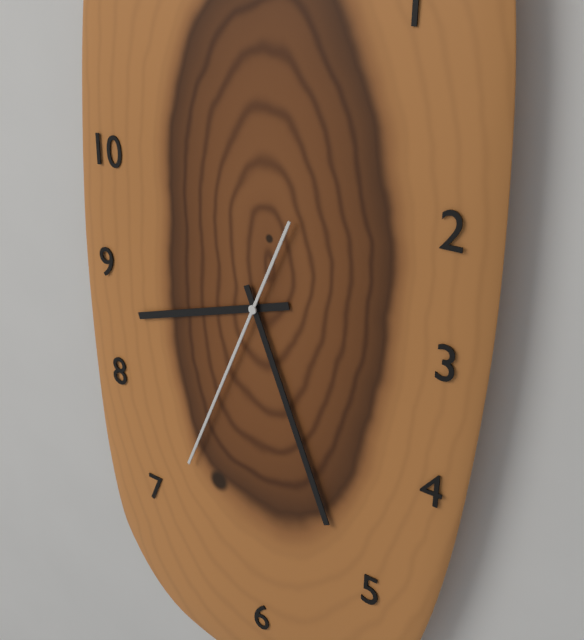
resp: 8,26,34
